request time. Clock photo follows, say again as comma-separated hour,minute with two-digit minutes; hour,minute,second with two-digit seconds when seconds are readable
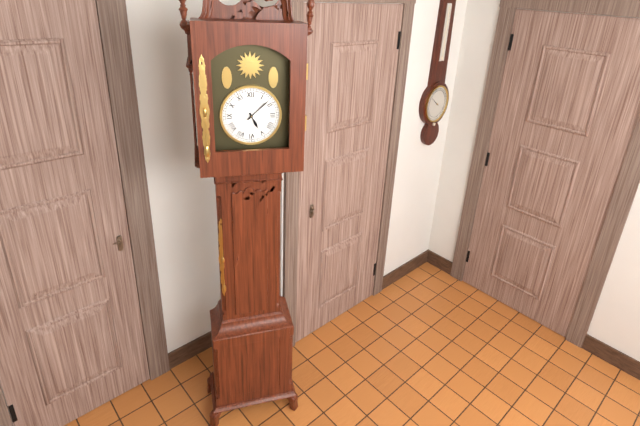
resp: 5,08
